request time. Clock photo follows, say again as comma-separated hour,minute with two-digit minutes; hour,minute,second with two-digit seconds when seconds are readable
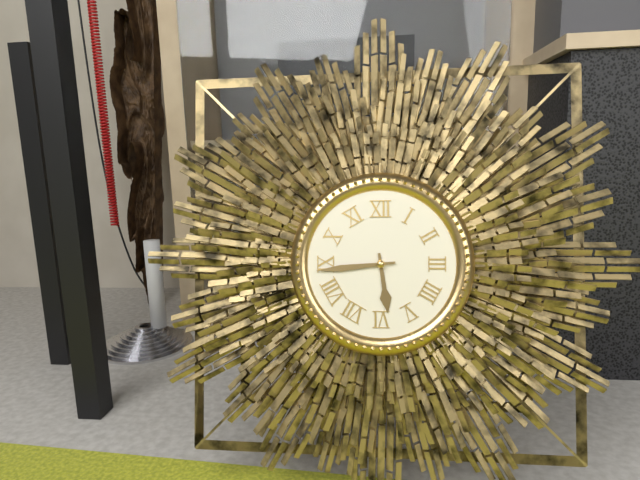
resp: 5,44
